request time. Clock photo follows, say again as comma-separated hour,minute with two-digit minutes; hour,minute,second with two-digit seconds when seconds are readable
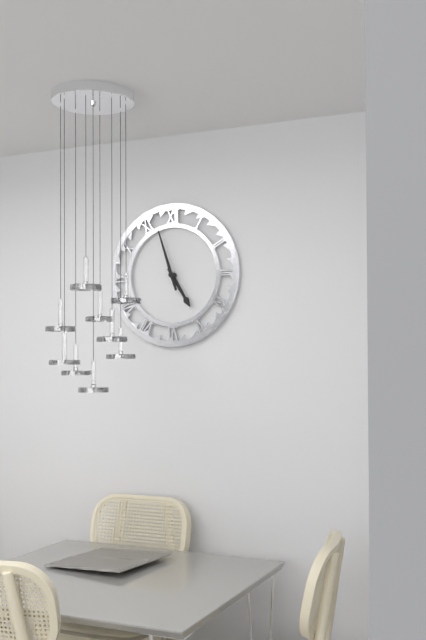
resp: 4,57
